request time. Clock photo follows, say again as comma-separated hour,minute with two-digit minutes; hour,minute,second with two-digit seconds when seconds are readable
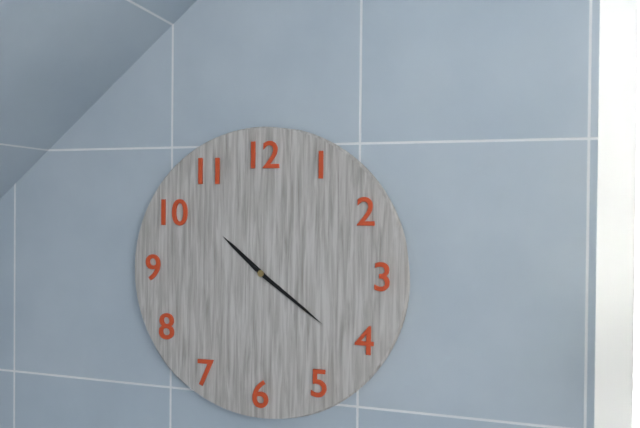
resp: 10,21
